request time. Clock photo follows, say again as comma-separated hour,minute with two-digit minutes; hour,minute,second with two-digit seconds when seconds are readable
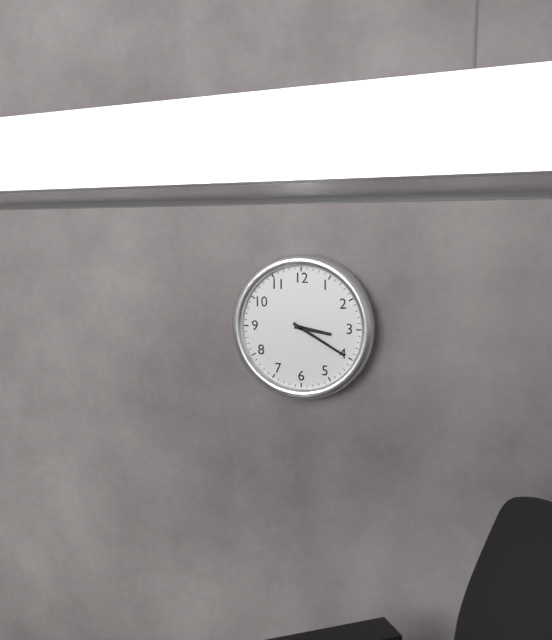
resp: 3,20
